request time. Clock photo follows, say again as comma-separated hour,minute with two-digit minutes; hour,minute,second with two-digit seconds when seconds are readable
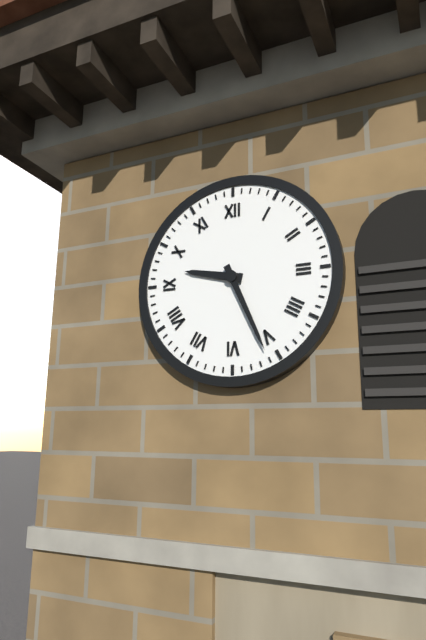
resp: 9,26
